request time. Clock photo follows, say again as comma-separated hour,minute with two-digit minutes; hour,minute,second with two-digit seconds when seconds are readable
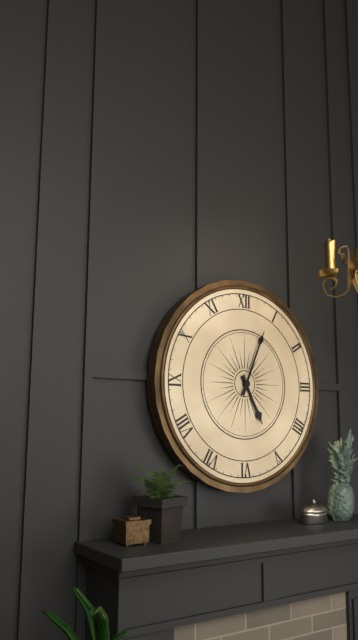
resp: 5,04
